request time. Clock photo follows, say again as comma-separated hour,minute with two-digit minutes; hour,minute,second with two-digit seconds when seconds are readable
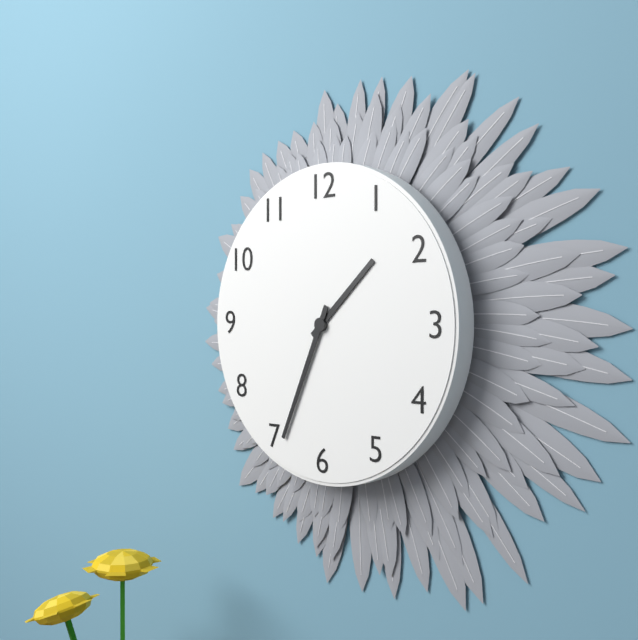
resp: 1,34
